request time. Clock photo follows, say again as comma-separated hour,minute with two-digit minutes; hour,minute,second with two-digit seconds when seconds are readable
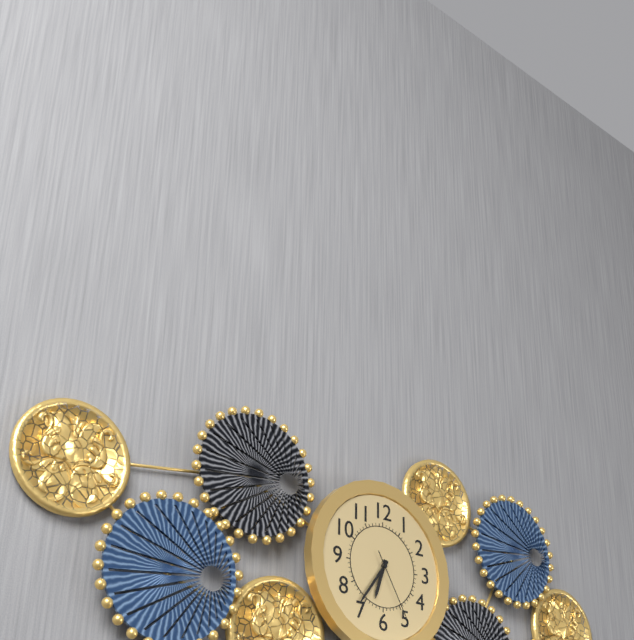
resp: 6,36,25
